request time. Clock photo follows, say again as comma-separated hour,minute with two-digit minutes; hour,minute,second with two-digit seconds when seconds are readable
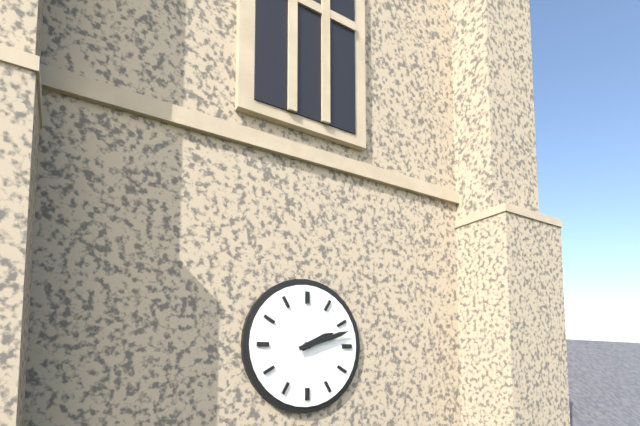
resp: 2,12
